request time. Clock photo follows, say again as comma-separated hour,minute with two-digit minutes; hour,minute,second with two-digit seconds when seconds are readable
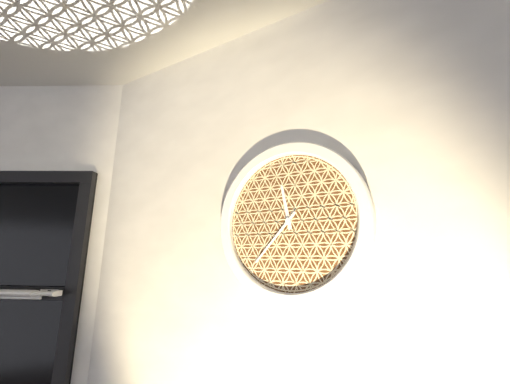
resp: 11,37
